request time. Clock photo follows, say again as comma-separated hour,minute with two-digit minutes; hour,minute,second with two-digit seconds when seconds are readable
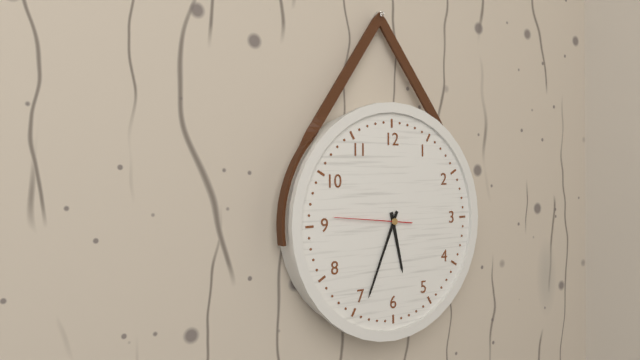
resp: 5,34,46
